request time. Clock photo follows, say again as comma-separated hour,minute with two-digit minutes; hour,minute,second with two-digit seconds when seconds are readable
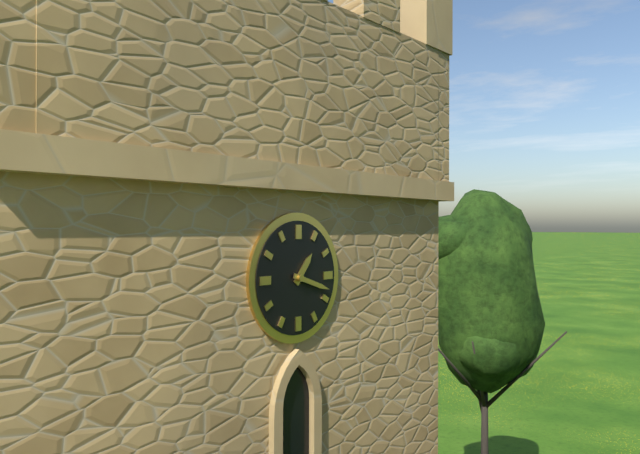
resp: 1,18
